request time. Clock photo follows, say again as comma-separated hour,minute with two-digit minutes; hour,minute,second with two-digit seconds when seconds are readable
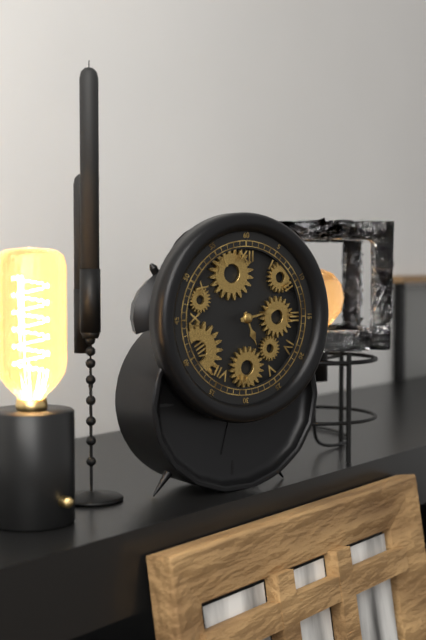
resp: 5,13
